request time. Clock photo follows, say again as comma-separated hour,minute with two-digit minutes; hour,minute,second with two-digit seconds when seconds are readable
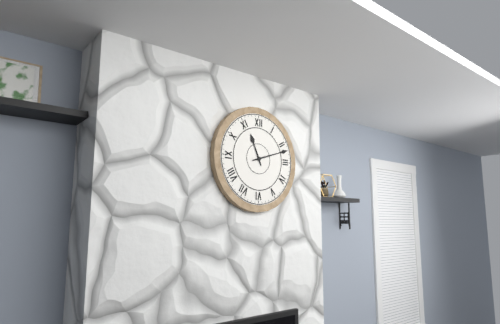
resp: 11,12
